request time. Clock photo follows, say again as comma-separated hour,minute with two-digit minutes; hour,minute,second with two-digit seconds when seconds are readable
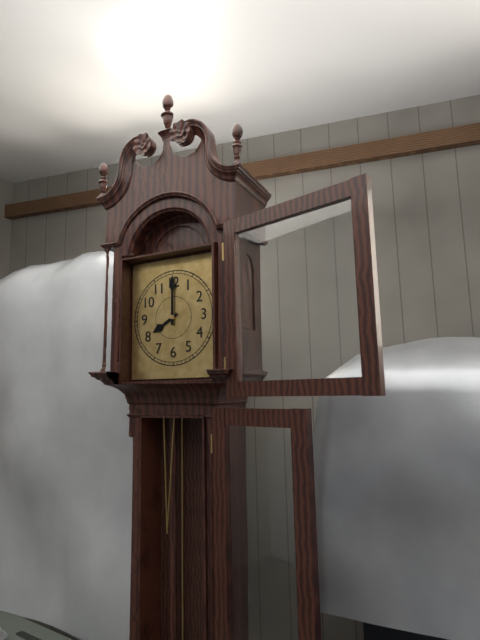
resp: 8,00
